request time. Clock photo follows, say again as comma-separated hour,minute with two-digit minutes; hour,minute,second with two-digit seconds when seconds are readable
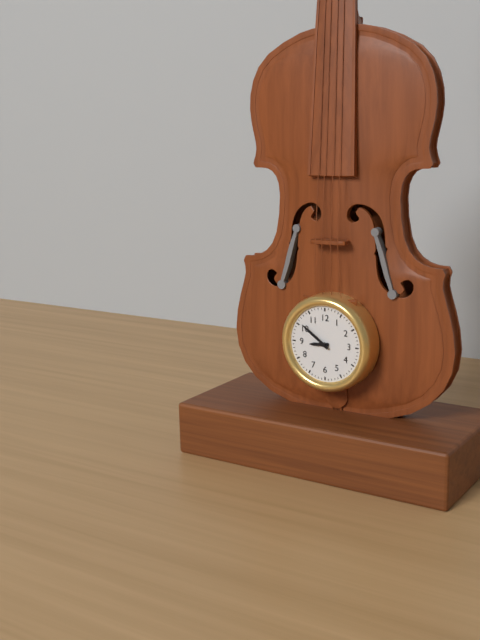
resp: 8,51
